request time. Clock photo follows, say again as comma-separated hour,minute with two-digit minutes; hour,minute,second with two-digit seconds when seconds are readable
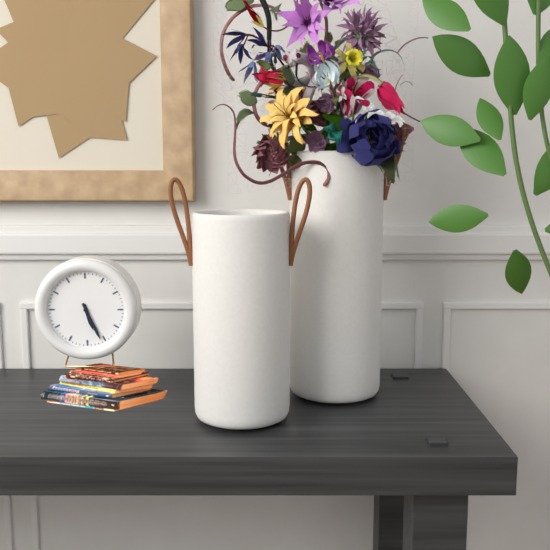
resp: 5,26
